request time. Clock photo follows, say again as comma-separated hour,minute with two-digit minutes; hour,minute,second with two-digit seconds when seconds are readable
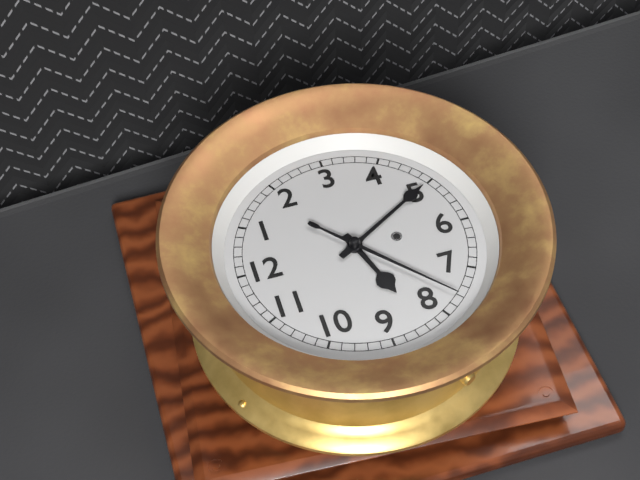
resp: 8,25,38
